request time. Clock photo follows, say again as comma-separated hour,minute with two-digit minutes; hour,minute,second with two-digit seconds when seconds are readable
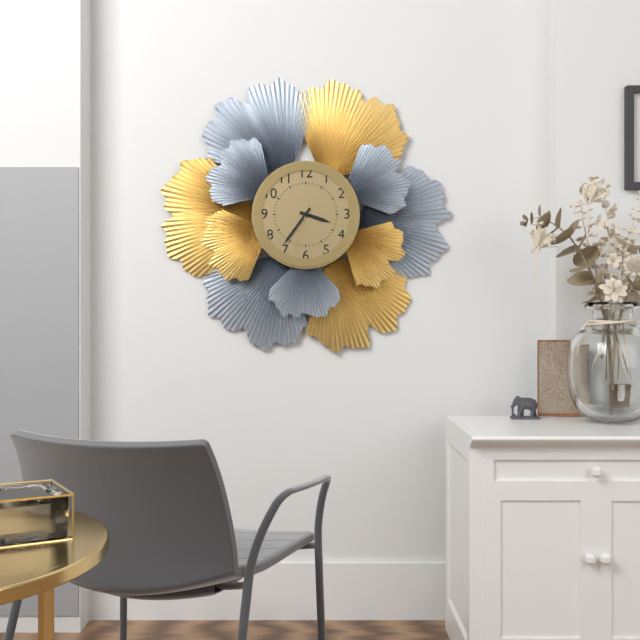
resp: 3,36
